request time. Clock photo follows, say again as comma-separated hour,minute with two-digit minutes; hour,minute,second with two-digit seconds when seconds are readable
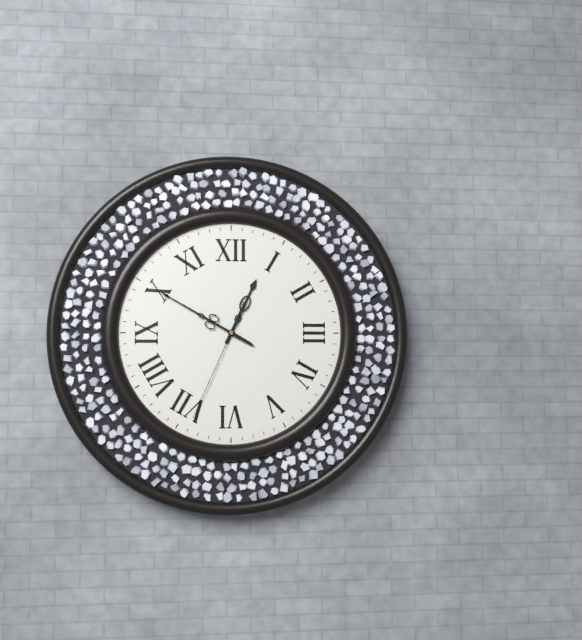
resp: 12,50,34
